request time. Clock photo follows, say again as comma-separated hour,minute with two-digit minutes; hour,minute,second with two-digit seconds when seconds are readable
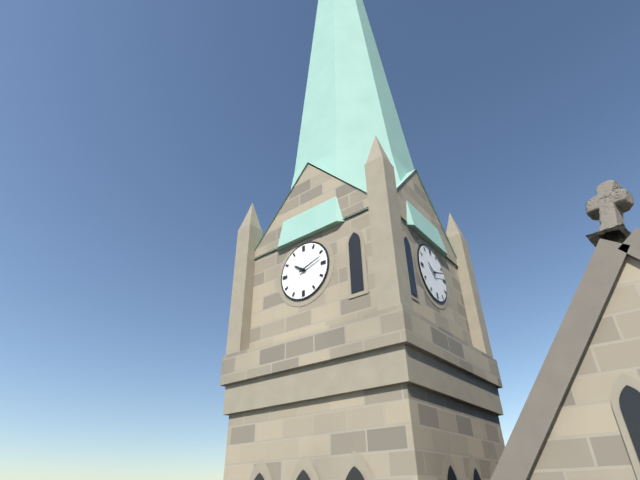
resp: 10,12
